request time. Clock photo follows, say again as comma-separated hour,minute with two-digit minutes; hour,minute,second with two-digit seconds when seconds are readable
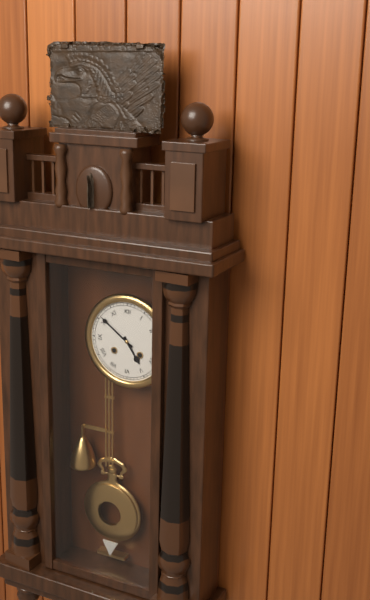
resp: 4,51
